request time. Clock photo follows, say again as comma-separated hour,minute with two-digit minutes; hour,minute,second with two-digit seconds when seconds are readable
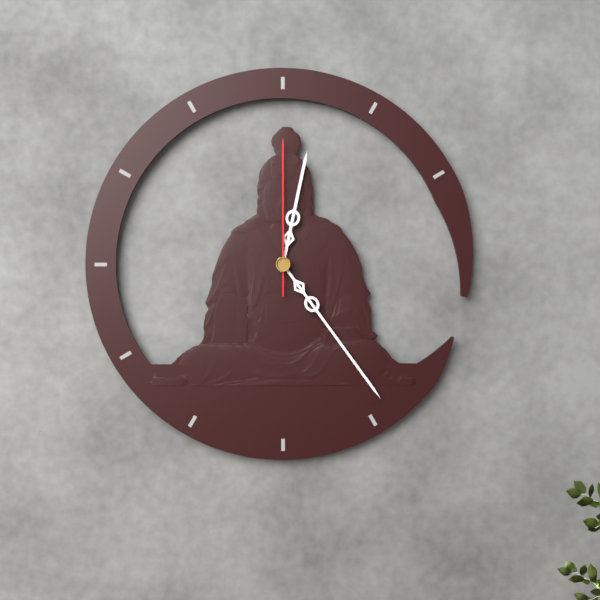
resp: 12,24,00
